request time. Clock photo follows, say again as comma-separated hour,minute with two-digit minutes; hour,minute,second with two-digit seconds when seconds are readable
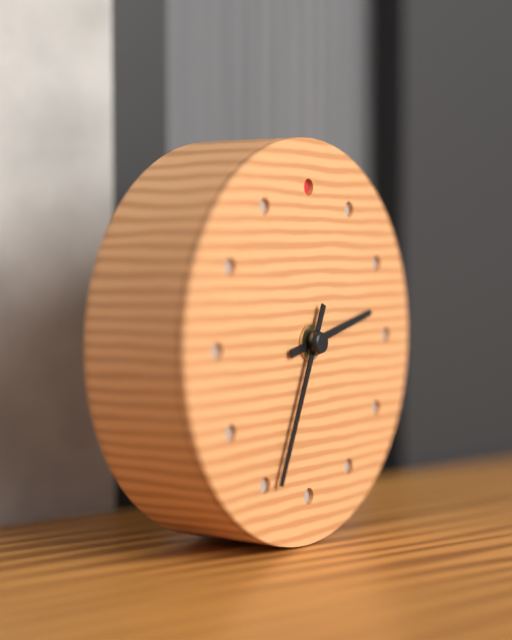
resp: 2,34
